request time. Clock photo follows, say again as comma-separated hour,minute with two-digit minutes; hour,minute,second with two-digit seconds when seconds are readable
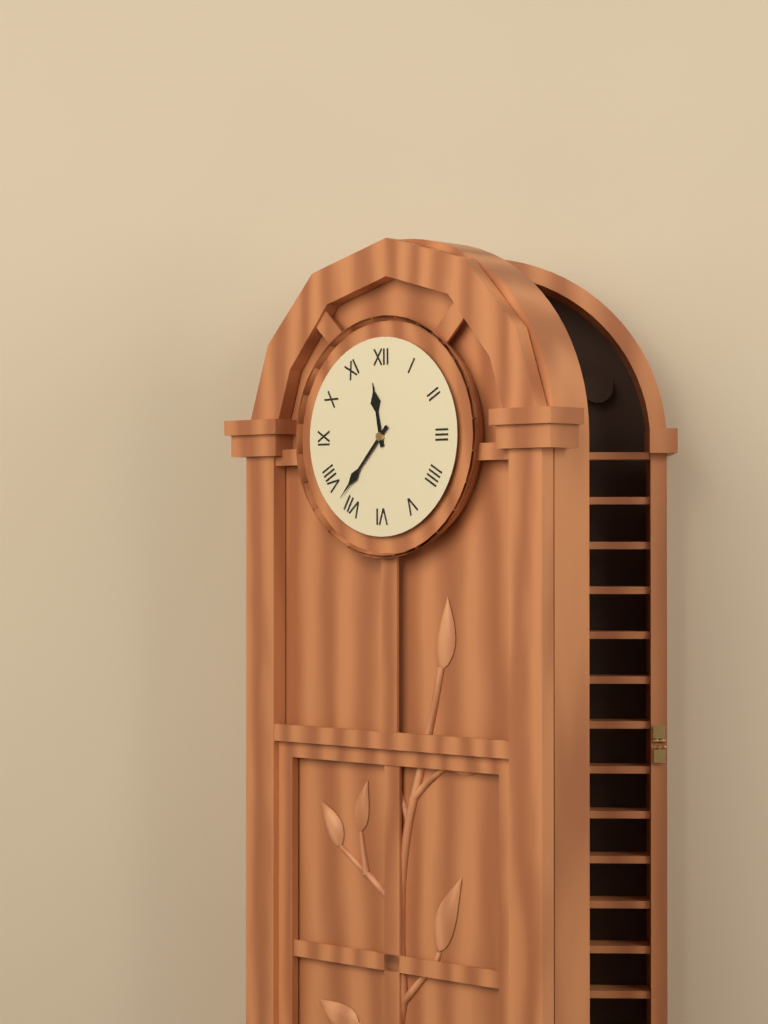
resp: 11,37
